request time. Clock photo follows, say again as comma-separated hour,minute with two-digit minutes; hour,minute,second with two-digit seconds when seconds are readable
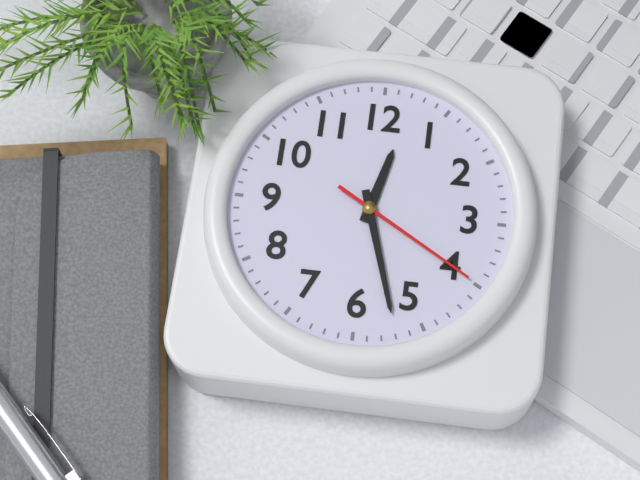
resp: 12,27,20
